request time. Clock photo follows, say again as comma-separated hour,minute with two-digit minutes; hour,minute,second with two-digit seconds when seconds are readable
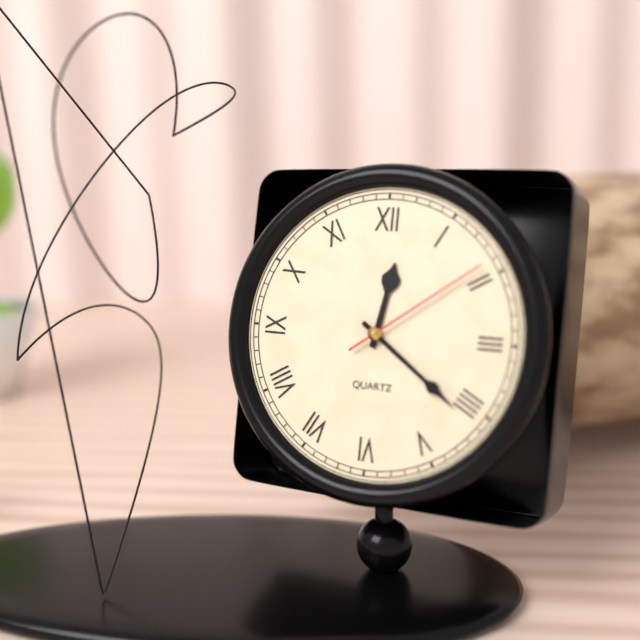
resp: 12,21,09
